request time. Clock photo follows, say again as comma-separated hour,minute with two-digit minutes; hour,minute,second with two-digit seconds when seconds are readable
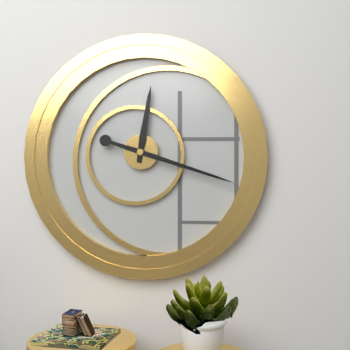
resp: 12,18
